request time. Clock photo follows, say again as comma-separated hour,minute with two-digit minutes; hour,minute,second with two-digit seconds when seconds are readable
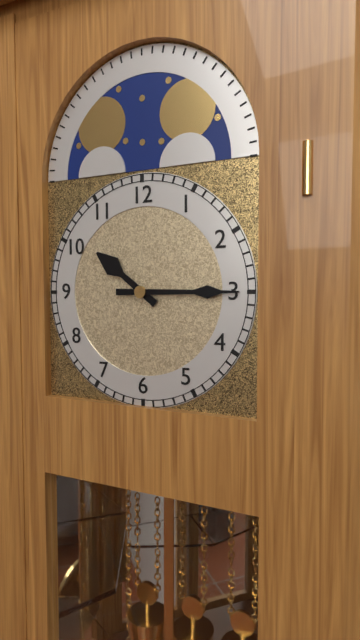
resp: 10,15
